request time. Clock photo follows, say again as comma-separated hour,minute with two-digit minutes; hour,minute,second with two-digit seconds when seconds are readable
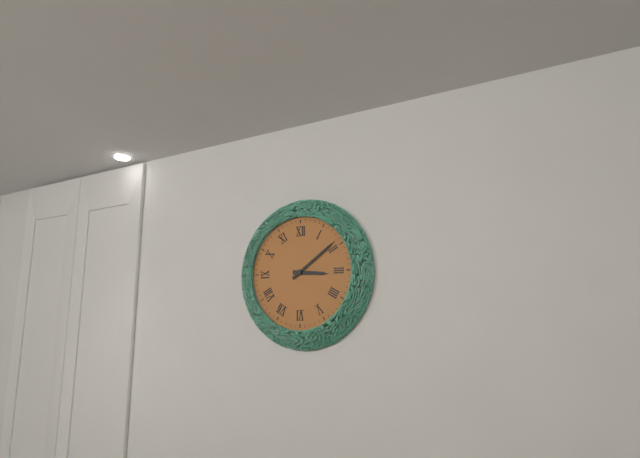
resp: 3,09
